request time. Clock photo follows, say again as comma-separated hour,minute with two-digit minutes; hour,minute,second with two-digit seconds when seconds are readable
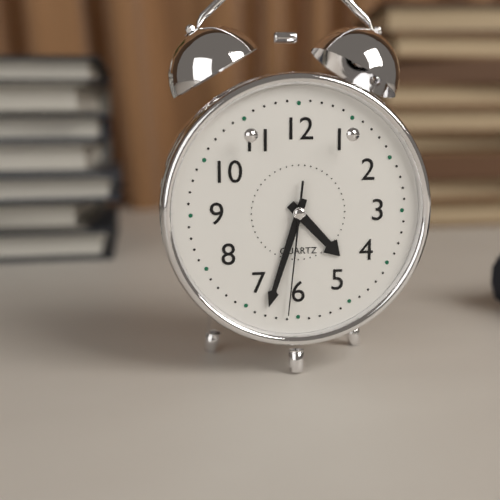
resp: 4,33,31
